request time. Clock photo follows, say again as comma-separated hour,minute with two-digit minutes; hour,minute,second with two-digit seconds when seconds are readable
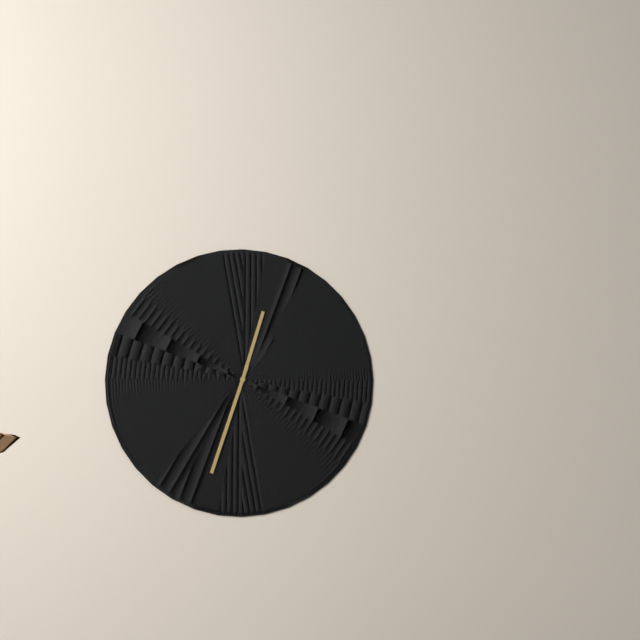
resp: 12,33
